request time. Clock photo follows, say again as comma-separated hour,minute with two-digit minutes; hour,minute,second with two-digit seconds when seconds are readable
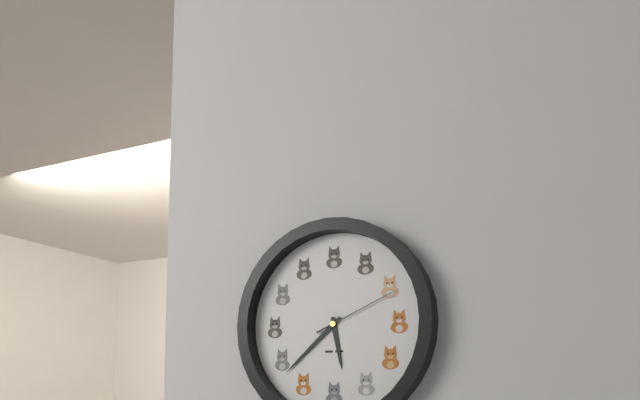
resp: 5,38,11
